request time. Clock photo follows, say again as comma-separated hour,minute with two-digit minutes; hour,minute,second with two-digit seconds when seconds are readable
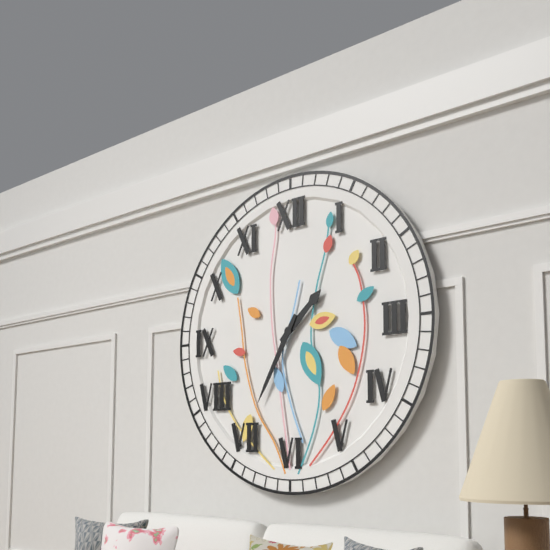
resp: 1,35
